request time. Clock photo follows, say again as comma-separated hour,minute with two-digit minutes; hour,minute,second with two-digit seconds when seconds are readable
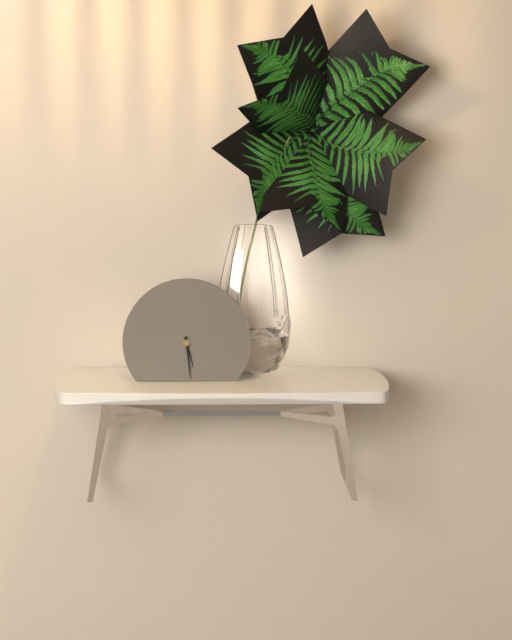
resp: 5,29
